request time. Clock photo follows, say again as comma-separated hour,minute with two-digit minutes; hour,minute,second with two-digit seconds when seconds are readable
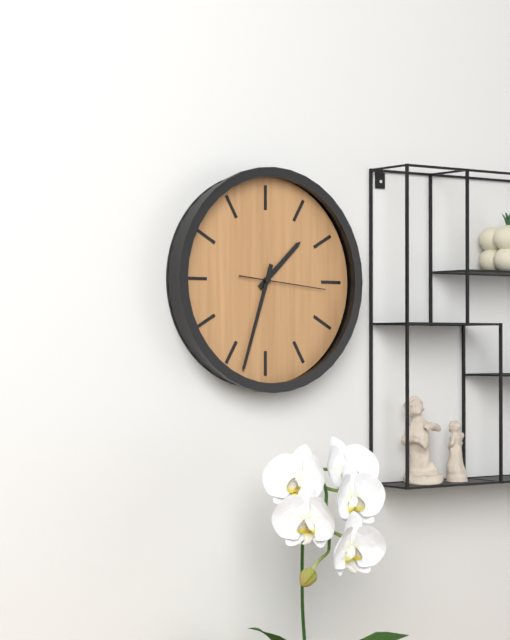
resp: 1,33,16
